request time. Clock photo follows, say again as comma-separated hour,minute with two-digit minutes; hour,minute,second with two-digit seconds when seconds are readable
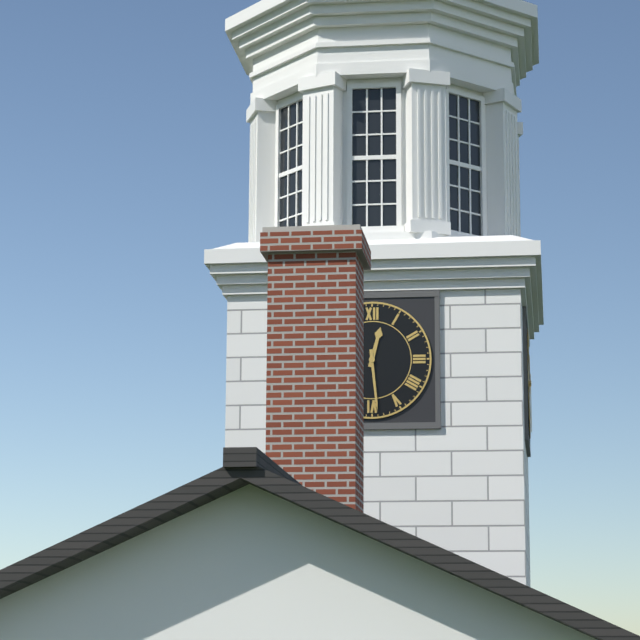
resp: 12,29
